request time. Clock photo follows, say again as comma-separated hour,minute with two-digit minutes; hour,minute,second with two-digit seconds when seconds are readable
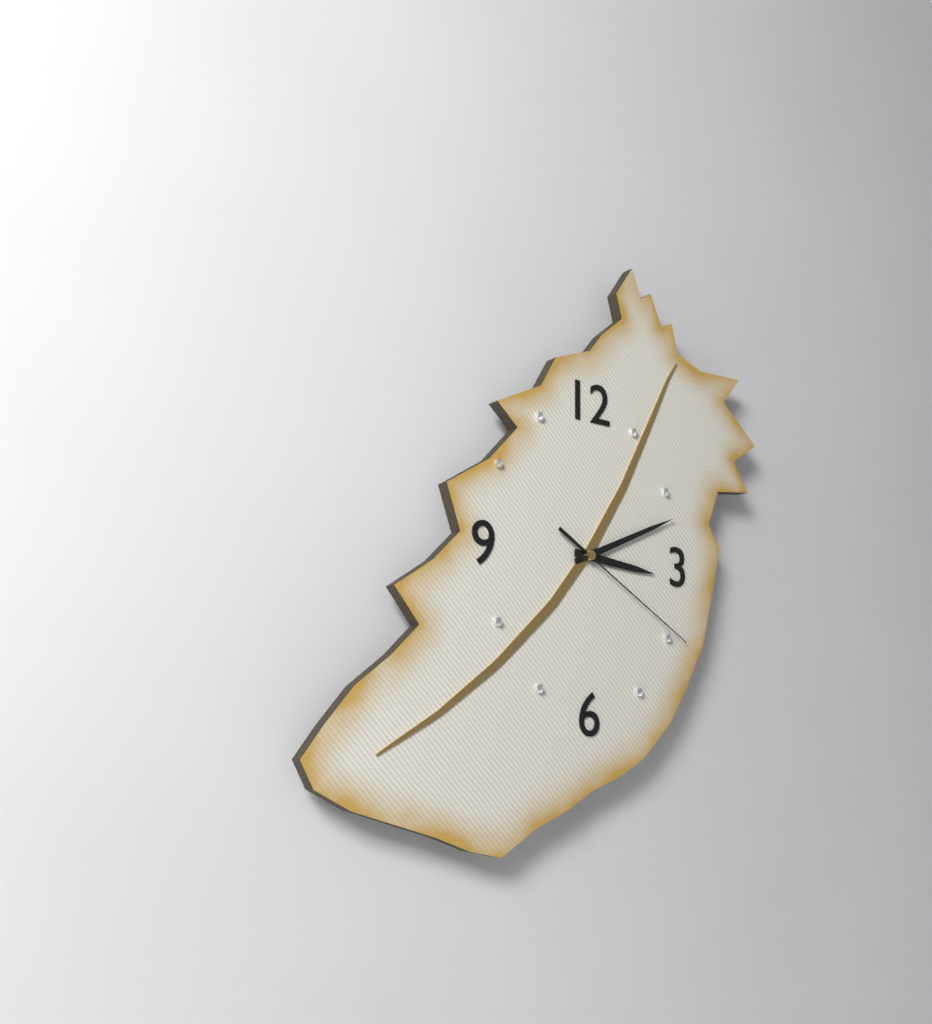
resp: 3,11,20
